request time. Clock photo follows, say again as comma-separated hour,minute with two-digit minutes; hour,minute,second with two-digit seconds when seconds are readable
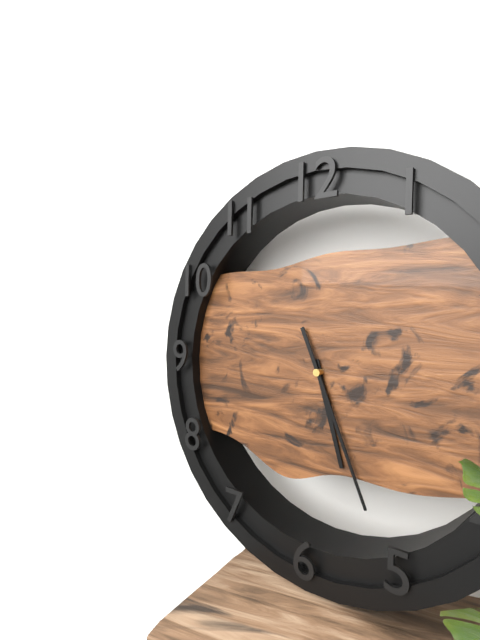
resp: 5,26
